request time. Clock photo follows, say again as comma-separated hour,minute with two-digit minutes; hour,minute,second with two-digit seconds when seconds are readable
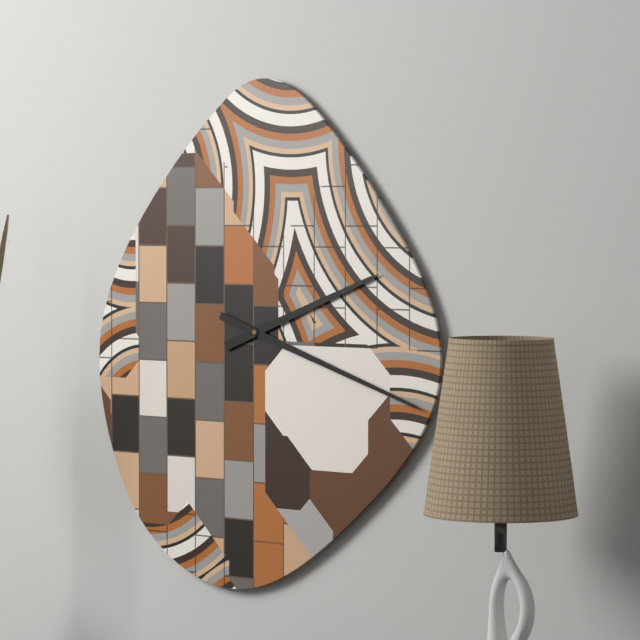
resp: 2,18
